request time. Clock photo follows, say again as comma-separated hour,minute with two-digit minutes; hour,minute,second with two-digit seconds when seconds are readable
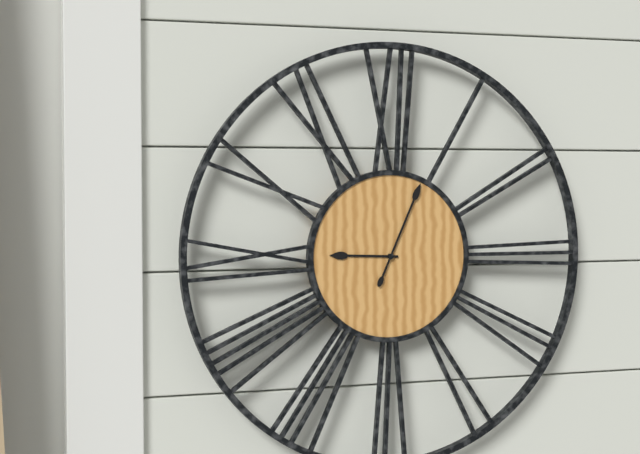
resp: 9,04
